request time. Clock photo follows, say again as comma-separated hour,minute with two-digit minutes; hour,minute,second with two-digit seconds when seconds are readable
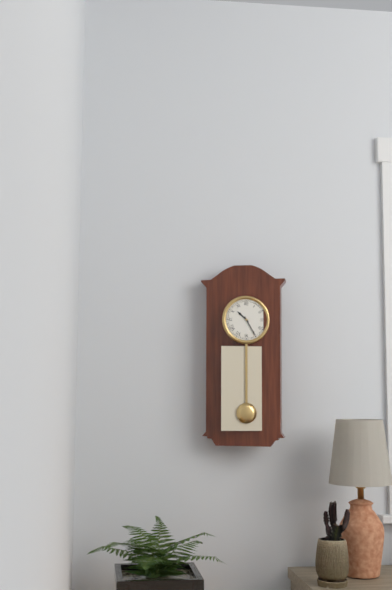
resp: 10,25
